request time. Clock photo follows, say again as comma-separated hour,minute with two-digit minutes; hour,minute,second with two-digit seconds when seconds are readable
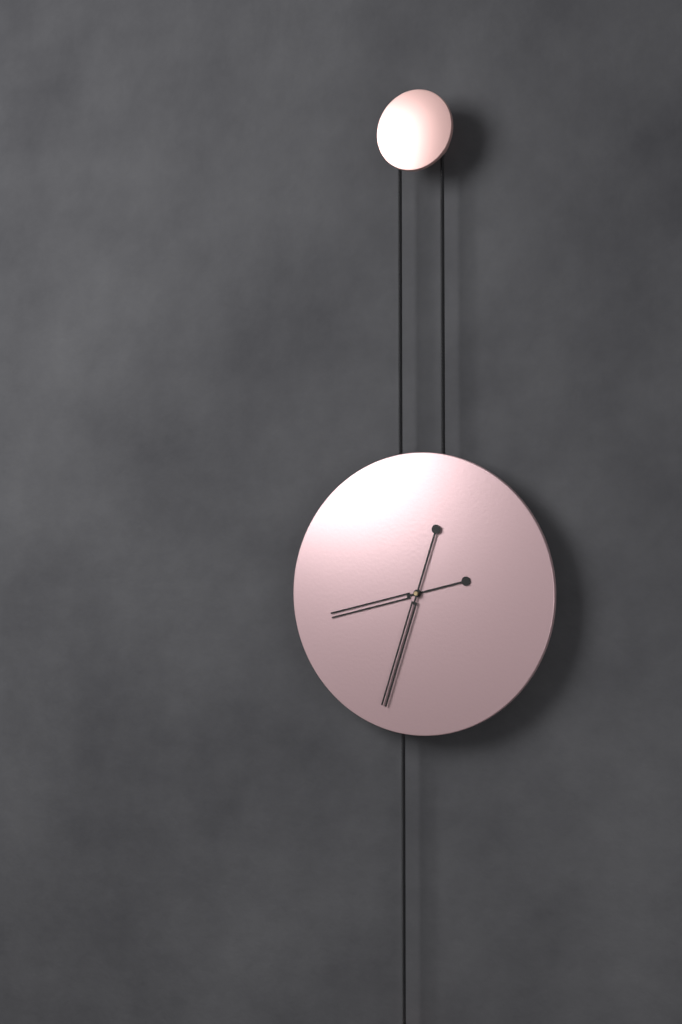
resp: 8,33
